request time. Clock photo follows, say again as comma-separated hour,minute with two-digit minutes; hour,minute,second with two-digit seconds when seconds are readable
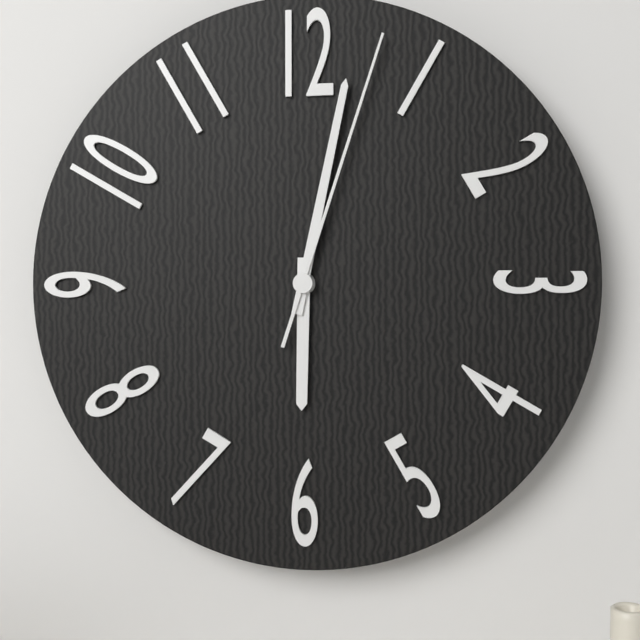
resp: 6,02,03
